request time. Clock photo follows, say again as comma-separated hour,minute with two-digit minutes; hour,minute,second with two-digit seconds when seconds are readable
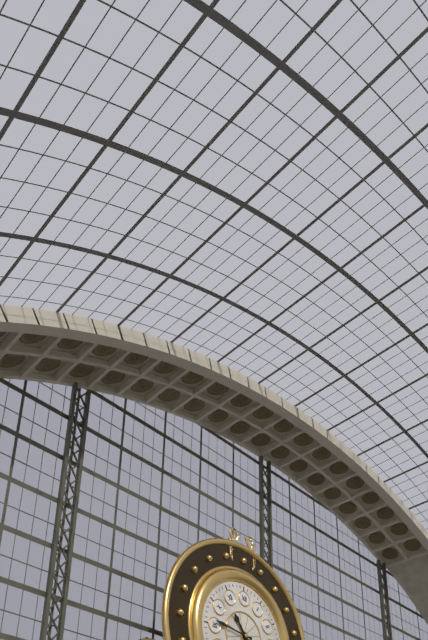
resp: 10,46
